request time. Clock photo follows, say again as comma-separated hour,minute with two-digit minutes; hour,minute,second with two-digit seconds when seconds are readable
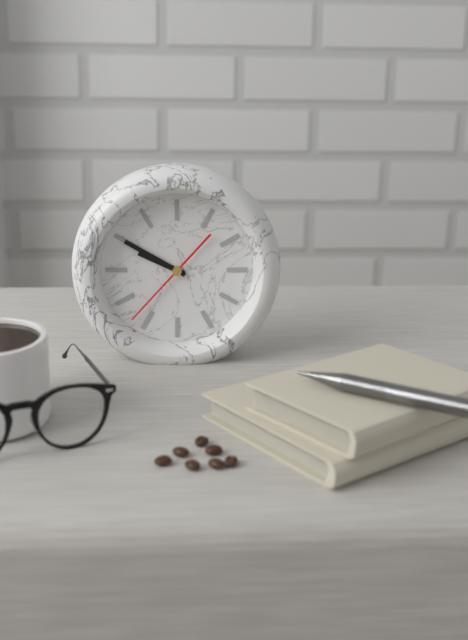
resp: 9,50,37
